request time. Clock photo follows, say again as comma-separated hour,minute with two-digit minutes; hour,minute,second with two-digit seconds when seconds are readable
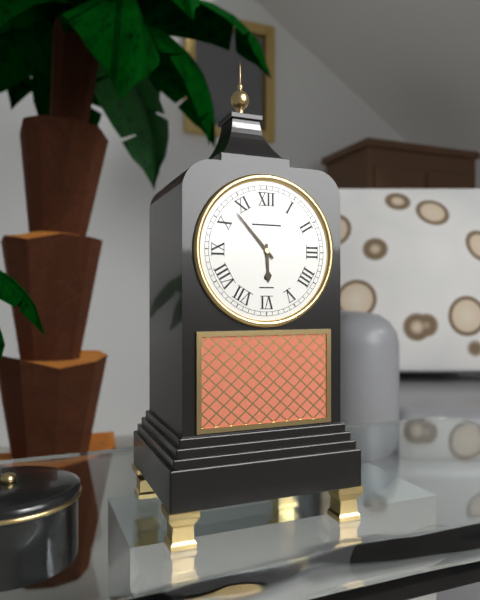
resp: 5,53
